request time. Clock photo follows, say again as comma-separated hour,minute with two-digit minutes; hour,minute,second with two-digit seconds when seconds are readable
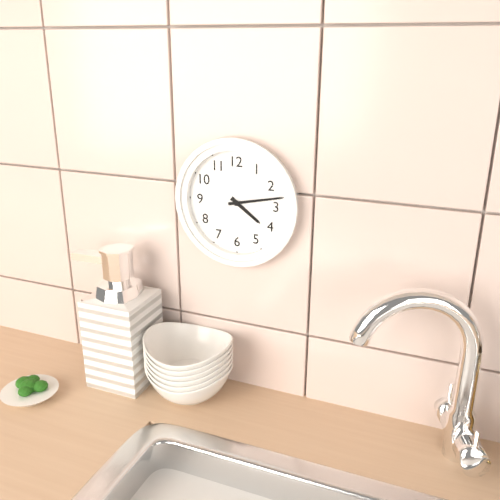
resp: 4,13
